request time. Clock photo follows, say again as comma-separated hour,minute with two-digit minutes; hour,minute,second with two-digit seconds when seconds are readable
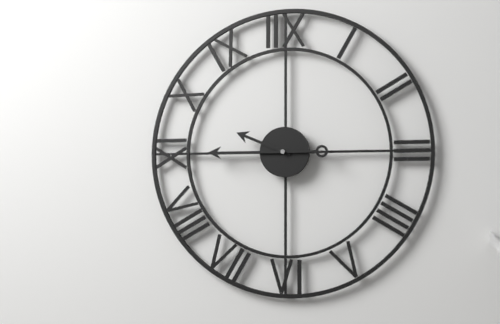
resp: 9,45
